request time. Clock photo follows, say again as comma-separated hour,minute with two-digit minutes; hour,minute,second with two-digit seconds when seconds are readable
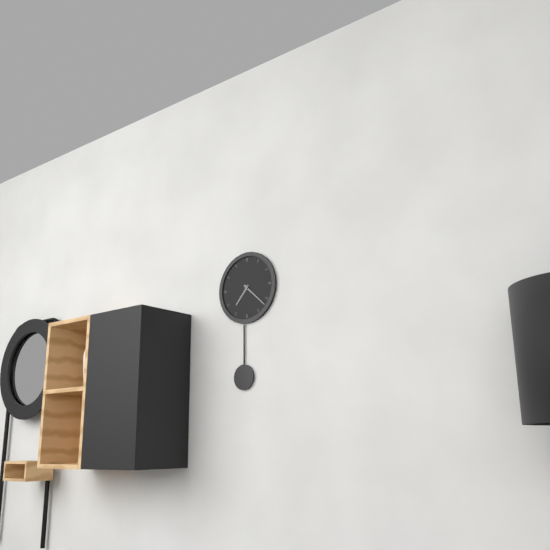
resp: 7,22
